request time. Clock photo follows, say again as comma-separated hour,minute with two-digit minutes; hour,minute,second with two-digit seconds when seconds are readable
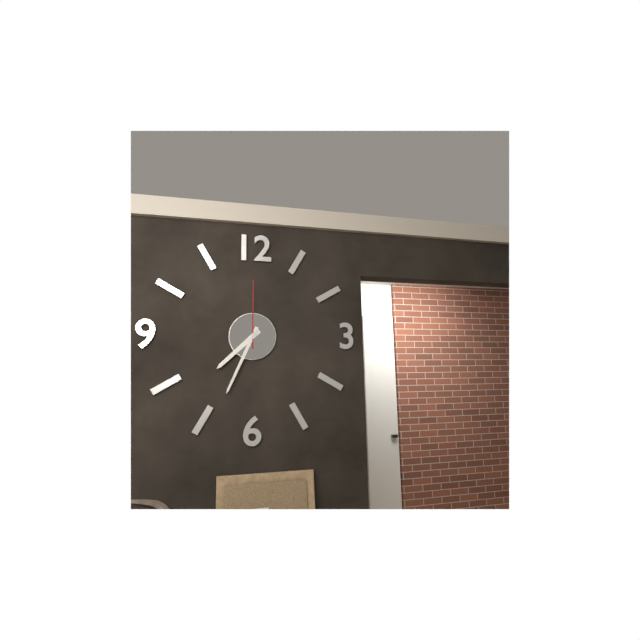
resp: 7,34,00
